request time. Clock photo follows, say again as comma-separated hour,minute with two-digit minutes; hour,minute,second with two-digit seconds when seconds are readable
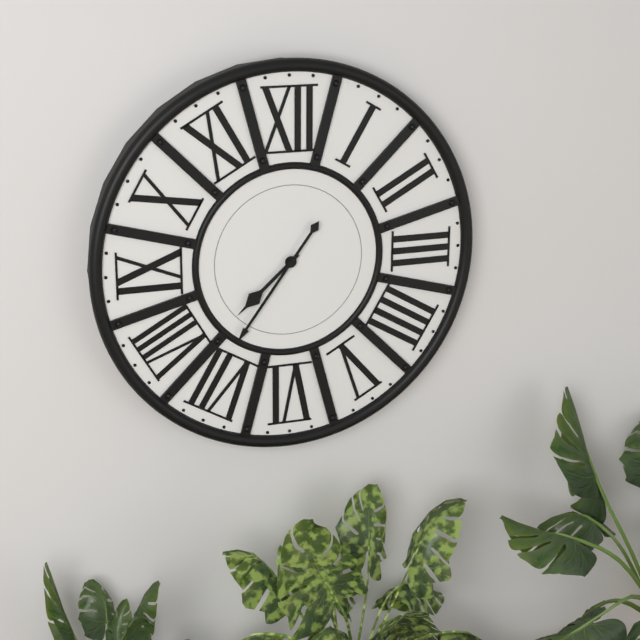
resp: 7,36
